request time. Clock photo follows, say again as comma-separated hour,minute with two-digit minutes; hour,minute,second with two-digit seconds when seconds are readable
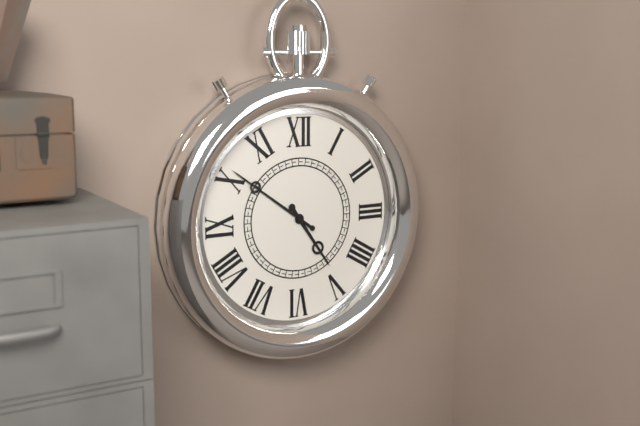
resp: 4,51
